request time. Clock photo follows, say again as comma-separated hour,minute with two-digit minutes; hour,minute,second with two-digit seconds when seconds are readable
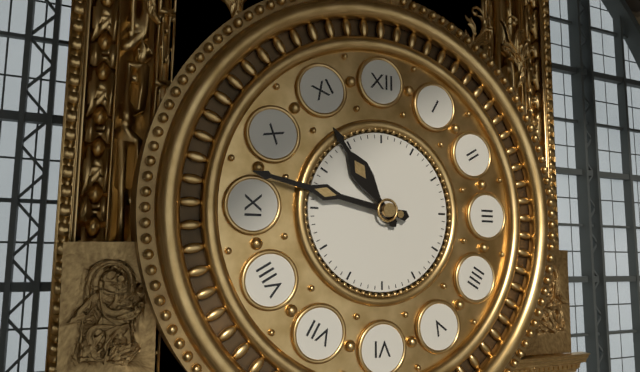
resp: 10,47
